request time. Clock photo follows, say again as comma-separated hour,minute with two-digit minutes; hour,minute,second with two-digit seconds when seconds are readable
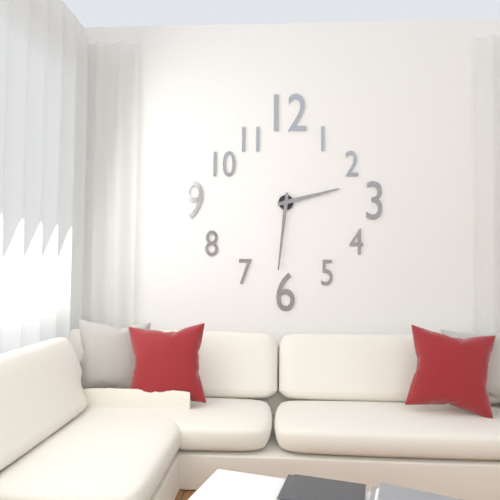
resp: 2,31
